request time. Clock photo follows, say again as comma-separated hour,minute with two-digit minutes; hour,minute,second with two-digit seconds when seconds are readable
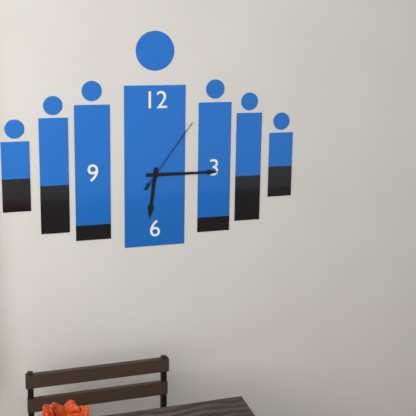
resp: 6,15,06
